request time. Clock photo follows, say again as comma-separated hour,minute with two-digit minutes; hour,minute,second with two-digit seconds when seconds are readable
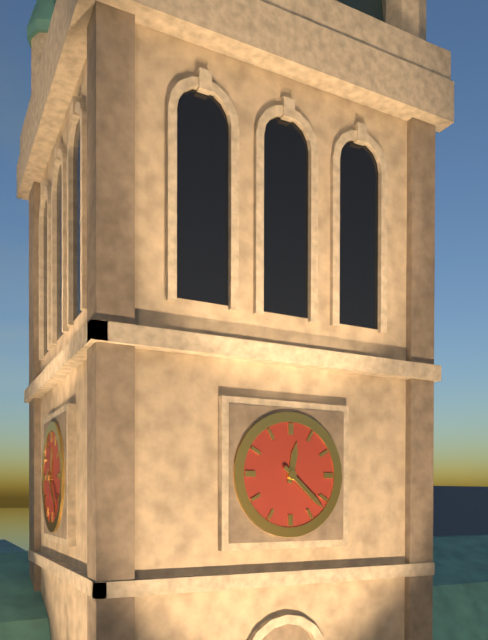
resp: 12,22
